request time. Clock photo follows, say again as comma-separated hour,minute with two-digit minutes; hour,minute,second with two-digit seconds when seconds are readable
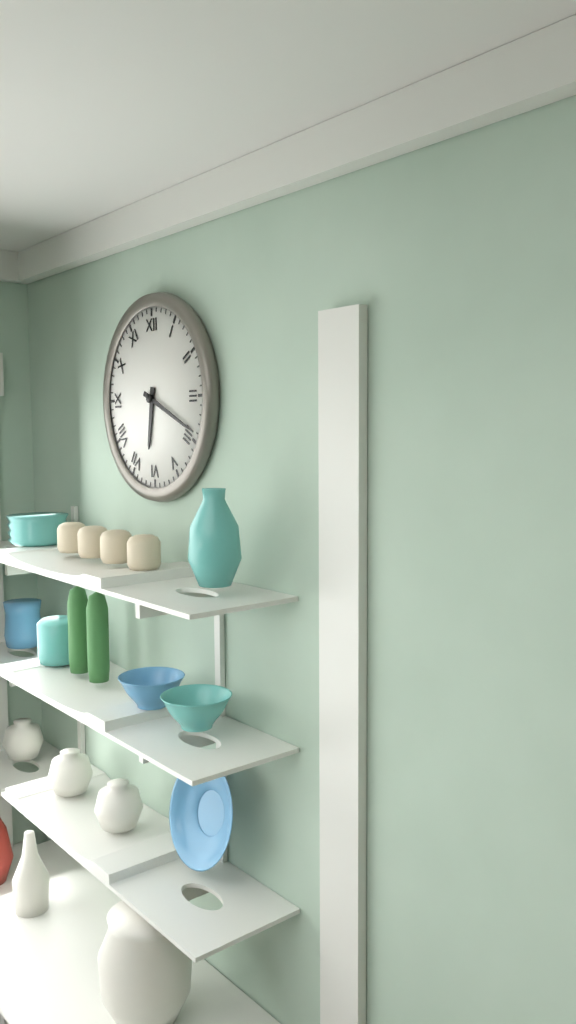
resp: 6,19
